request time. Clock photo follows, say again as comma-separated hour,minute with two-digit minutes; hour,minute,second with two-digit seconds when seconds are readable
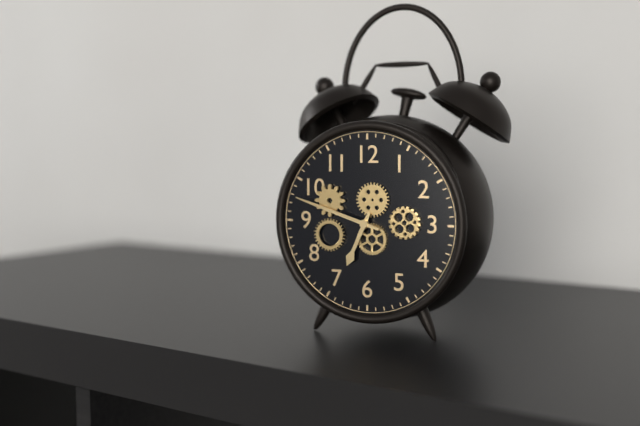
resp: 6,48
